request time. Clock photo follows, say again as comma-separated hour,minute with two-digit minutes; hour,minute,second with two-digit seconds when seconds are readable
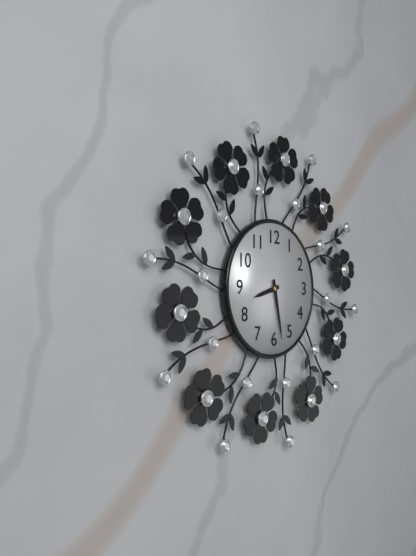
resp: 8,28
